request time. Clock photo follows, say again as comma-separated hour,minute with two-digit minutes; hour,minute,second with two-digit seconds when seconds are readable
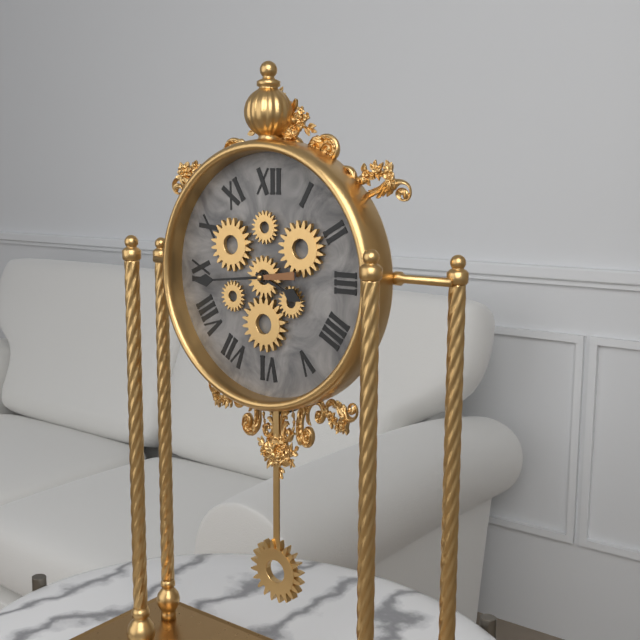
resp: 3,44
